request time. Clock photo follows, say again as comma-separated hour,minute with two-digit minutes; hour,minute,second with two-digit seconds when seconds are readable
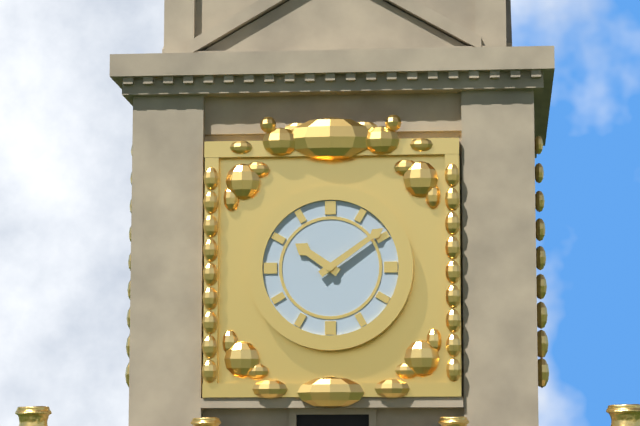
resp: 10,09
